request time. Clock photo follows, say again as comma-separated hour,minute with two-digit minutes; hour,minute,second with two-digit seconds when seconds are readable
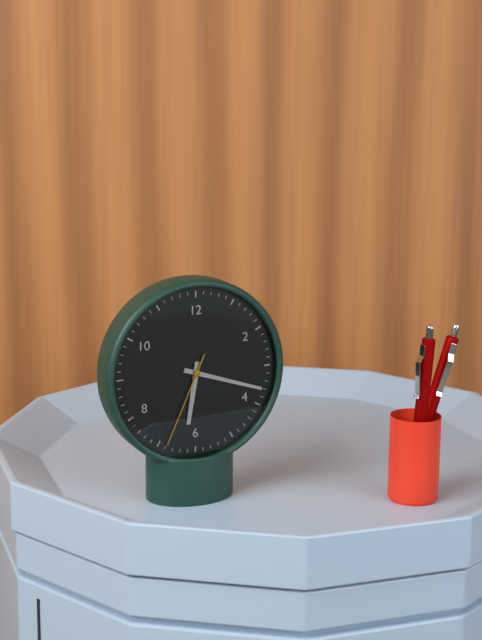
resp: 6,18,34
